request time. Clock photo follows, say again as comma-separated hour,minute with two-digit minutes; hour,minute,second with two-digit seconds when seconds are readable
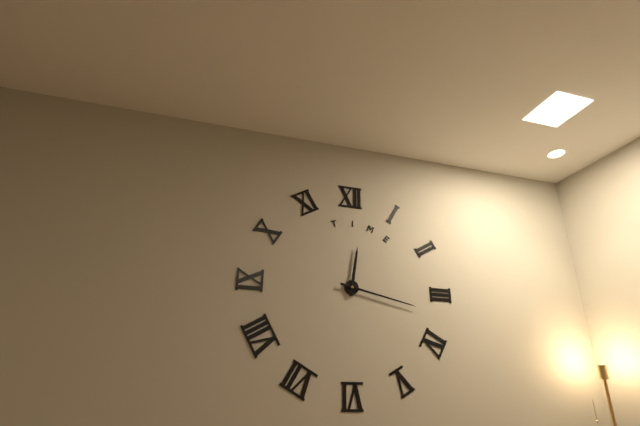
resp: 12,17
